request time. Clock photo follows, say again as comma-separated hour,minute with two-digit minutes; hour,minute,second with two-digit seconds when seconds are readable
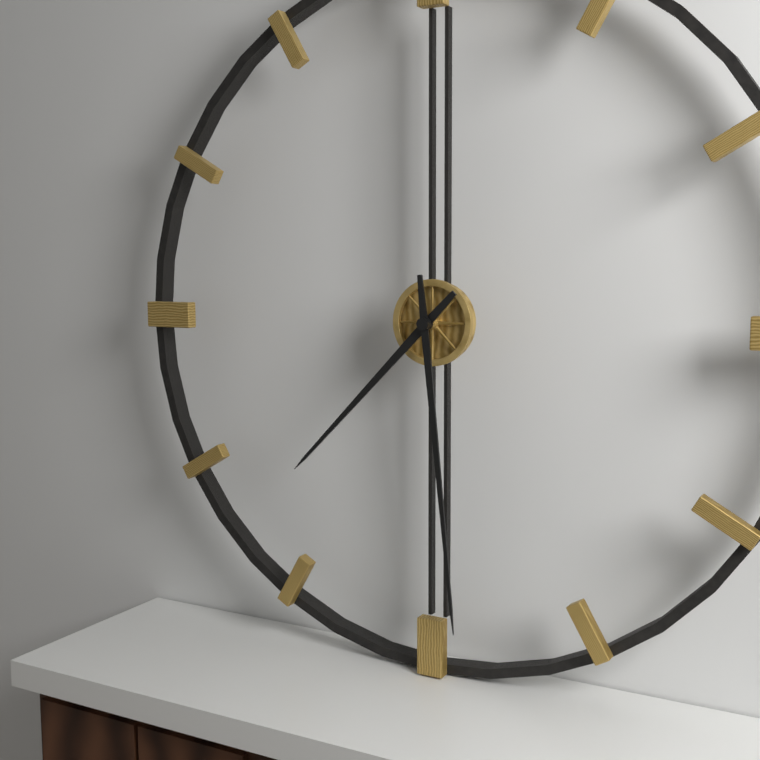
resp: 7,29
